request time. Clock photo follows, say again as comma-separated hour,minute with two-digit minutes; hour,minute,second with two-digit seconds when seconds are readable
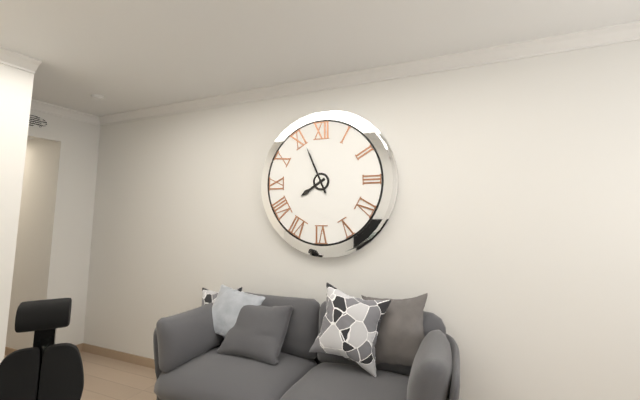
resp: 7,56
